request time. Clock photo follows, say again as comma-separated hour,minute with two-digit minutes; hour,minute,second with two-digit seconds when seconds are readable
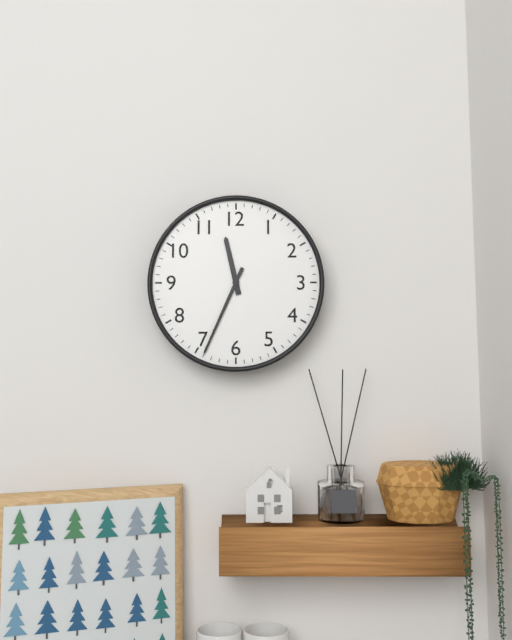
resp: 11,34
